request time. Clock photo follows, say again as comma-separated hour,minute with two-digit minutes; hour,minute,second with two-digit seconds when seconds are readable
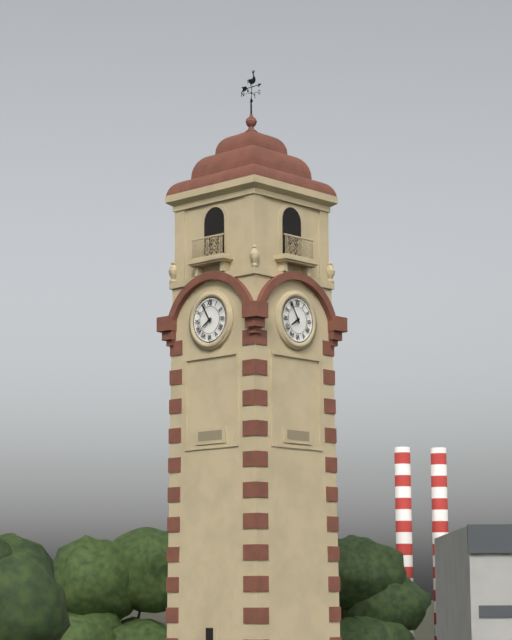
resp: 7,55
